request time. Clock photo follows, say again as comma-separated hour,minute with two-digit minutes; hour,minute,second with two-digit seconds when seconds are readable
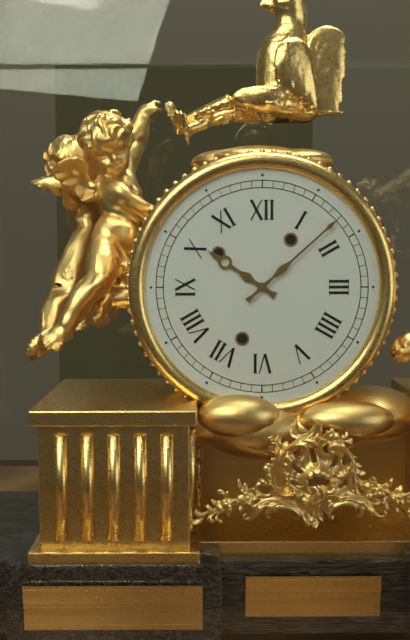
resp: 10,08
